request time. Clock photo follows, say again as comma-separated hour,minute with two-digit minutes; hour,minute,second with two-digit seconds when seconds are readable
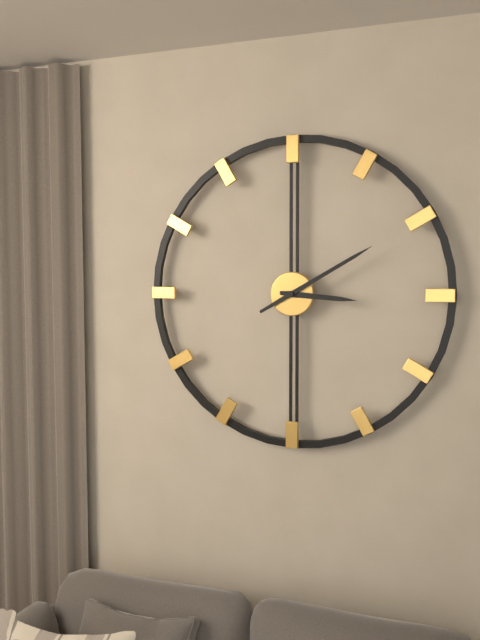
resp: 3,10
